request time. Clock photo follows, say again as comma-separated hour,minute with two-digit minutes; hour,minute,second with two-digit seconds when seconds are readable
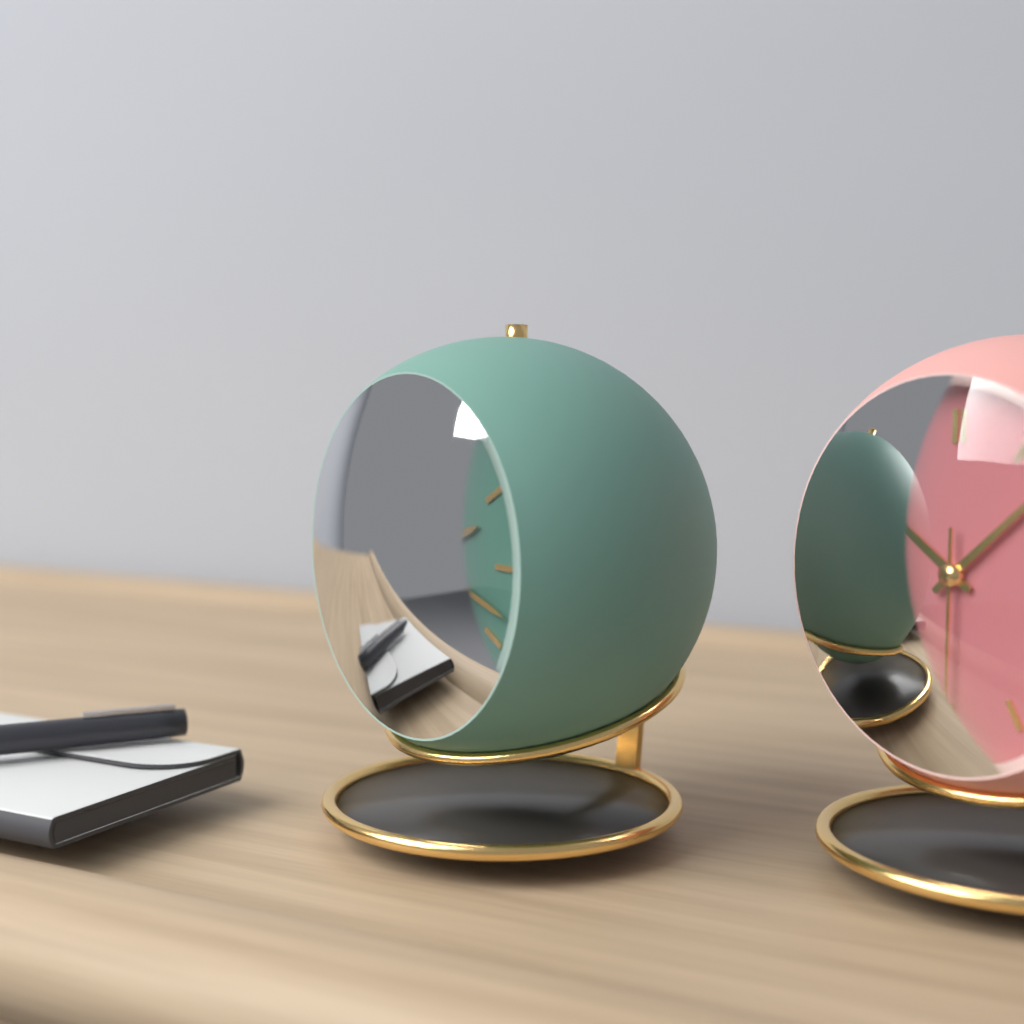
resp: 2,18,26
